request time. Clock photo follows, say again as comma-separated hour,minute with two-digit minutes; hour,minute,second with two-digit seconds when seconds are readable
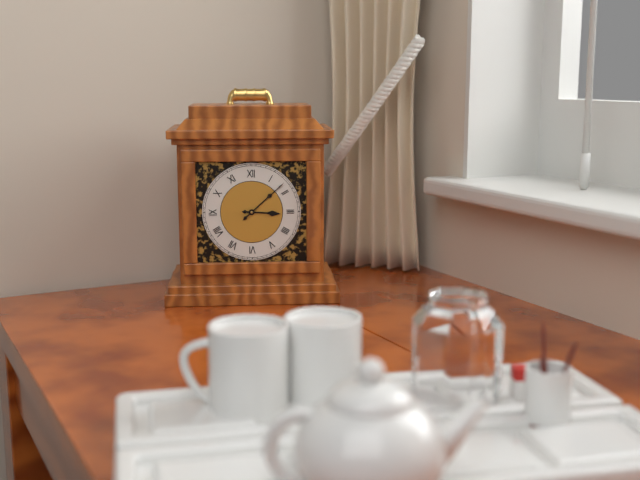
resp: 3,08
